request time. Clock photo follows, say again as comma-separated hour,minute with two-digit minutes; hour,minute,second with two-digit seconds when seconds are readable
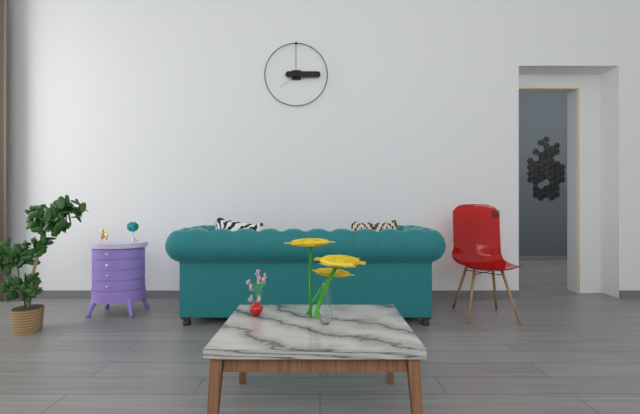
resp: 3,00
